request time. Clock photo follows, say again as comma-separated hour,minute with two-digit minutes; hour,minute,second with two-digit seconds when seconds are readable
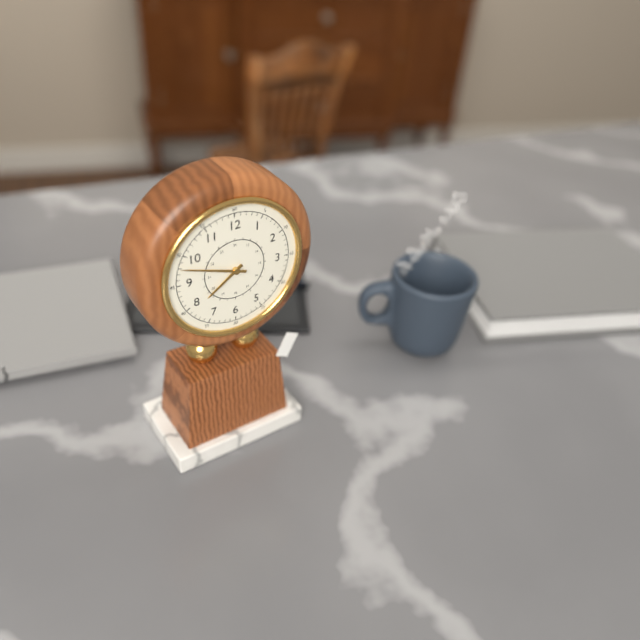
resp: 7,48
